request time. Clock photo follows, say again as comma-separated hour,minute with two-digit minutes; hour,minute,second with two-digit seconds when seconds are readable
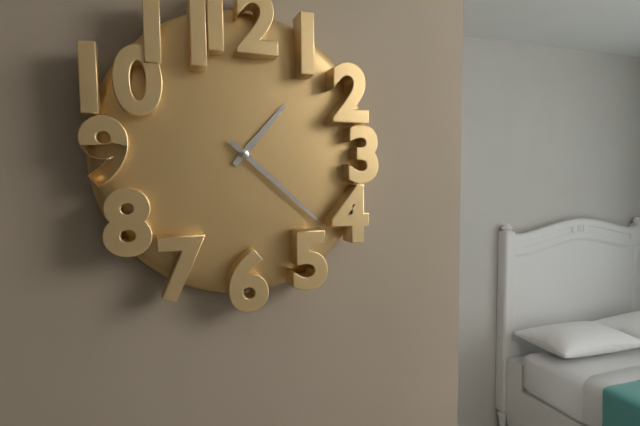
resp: 1,22
